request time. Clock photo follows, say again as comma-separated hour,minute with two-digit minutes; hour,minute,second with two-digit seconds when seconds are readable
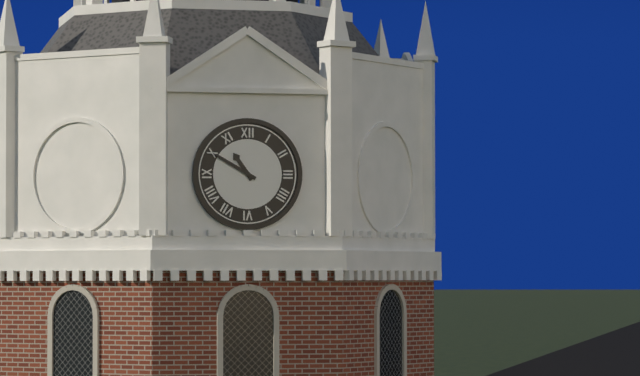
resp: 10,50
